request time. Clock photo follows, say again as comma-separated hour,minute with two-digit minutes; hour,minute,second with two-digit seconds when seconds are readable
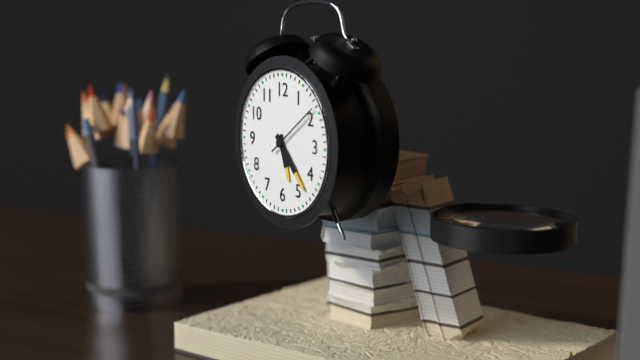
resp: 5,23,09
